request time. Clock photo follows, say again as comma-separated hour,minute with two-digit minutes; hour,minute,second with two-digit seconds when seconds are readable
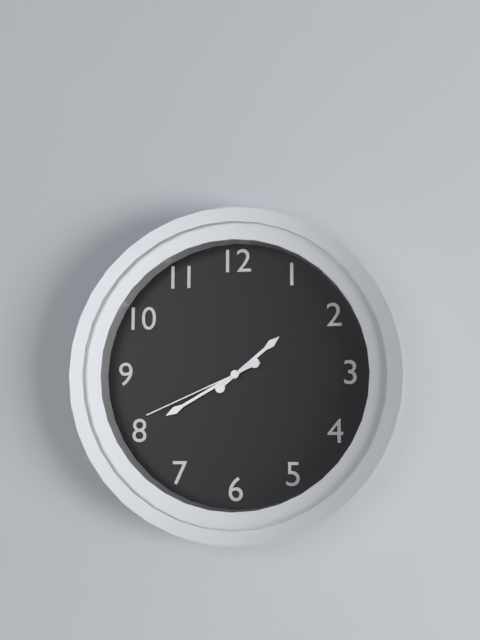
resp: 1,40,41
